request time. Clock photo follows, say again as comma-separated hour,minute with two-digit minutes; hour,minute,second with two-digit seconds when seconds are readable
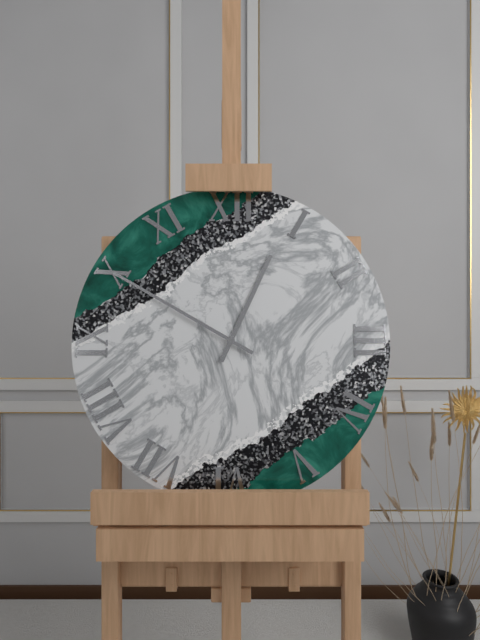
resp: 12,50
